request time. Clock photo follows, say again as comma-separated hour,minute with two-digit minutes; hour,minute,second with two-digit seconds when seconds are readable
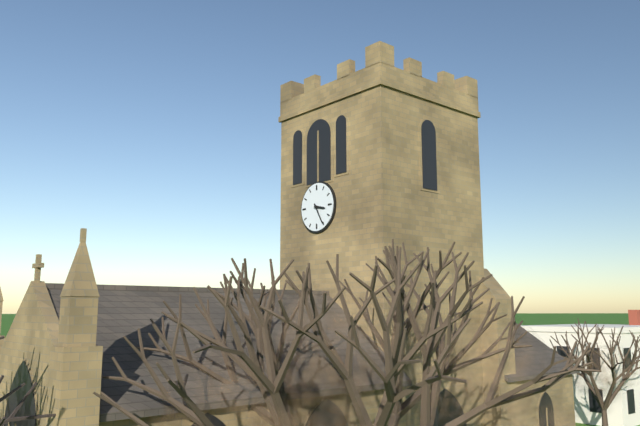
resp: 3,25
